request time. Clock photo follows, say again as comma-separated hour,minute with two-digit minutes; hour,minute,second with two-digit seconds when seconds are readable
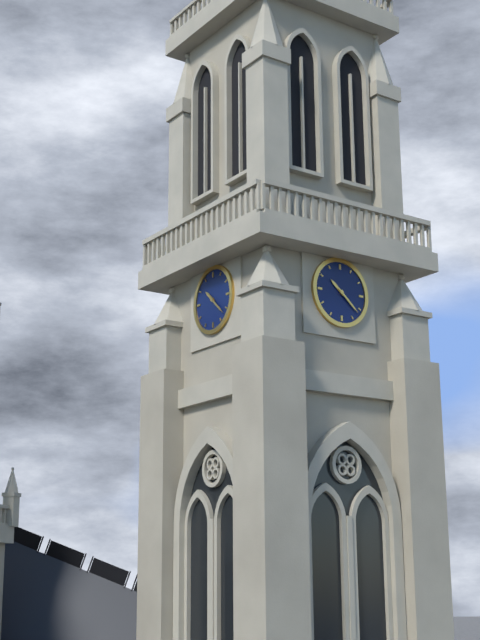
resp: 10,22
